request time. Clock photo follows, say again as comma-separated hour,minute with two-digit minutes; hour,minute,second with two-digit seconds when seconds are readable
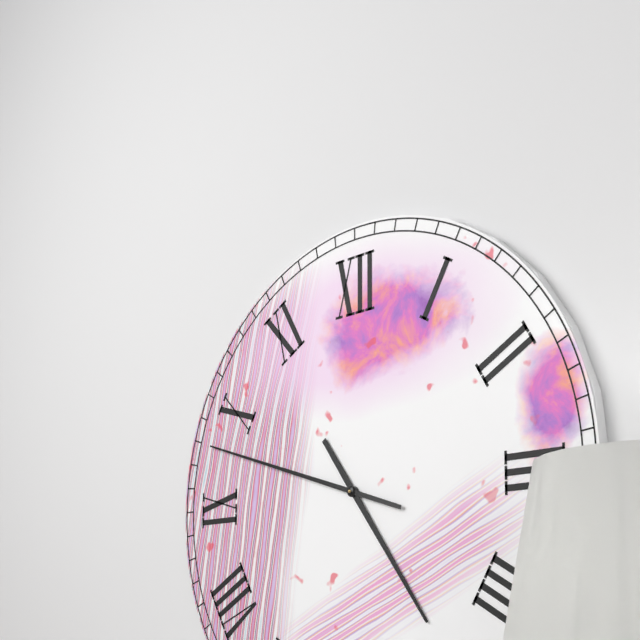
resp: 4,48
